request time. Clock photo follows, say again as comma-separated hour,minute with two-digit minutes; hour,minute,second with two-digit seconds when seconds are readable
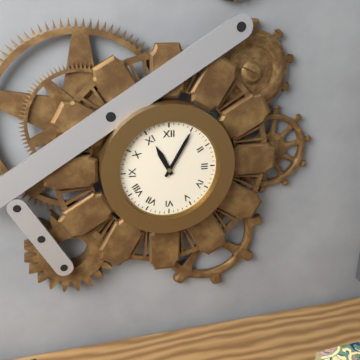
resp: 11,05
